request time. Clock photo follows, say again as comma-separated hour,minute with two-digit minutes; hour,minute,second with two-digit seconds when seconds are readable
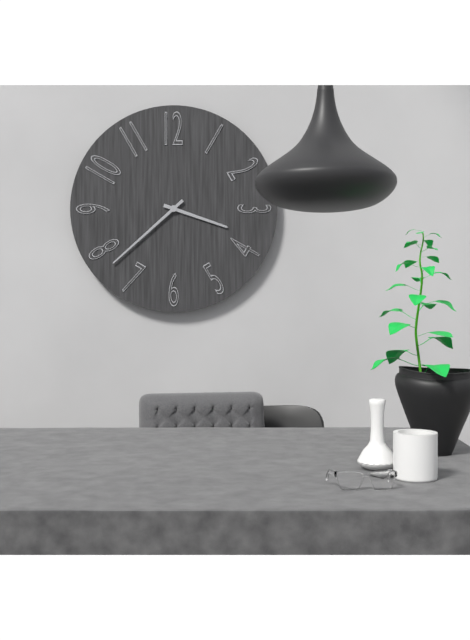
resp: 3,38
